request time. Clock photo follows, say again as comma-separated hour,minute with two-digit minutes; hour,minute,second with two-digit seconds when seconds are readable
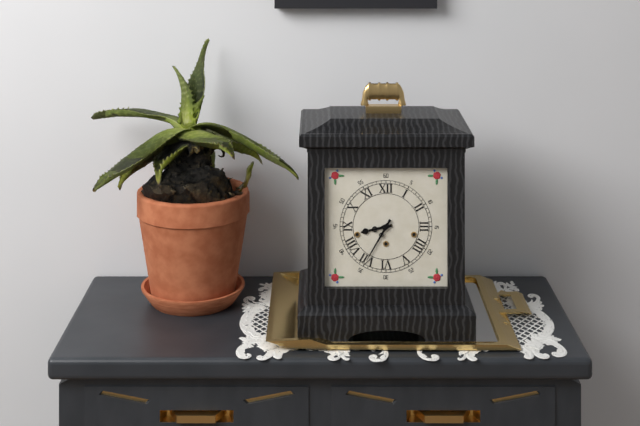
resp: 8,35
